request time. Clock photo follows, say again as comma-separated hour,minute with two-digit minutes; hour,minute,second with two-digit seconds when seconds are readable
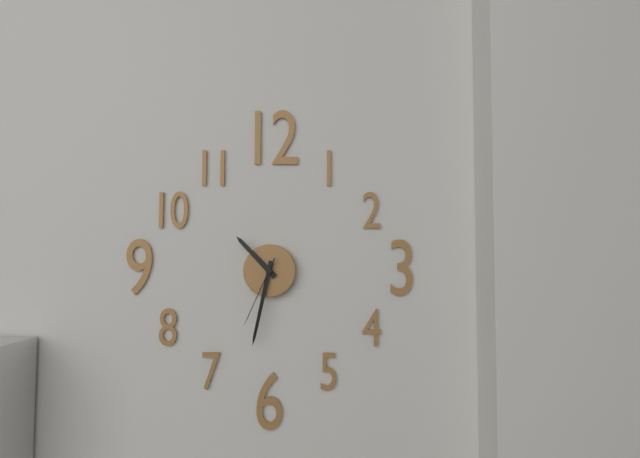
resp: 10,32,34
